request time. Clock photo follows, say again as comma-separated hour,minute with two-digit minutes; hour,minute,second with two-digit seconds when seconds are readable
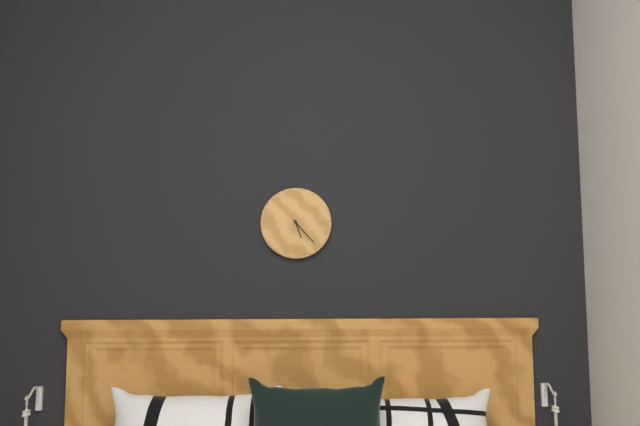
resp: 5,23
